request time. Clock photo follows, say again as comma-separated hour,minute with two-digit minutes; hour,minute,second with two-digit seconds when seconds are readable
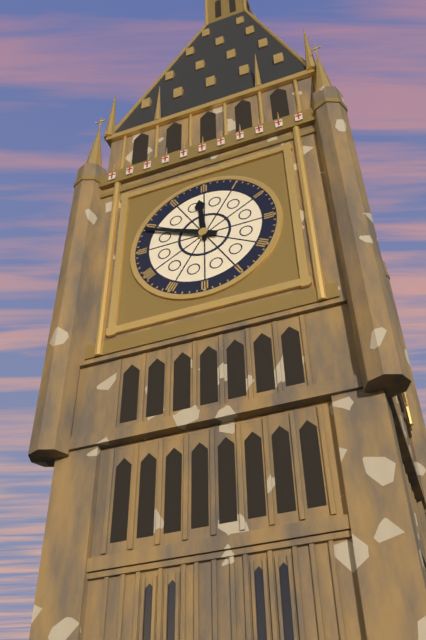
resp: 11,49
